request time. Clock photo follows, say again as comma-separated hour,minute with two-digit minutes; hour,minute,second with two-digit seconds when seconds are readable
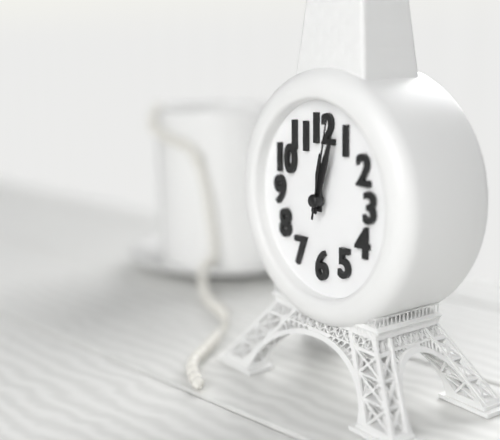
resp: 12,03,02
